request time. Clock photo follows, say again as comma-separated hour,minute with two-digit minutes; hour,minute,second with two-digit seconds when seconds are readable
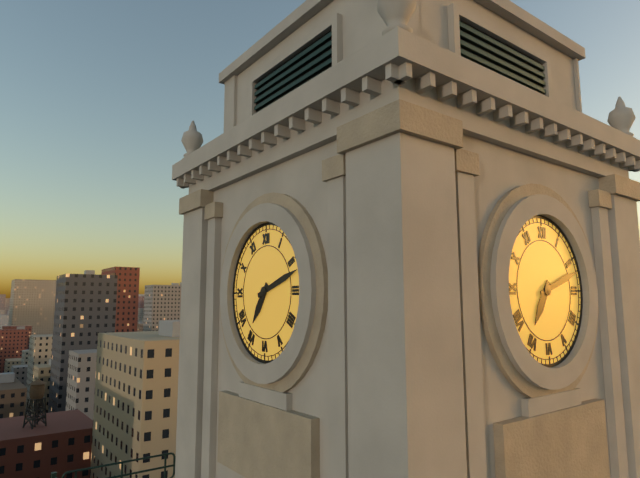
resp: 7,12
